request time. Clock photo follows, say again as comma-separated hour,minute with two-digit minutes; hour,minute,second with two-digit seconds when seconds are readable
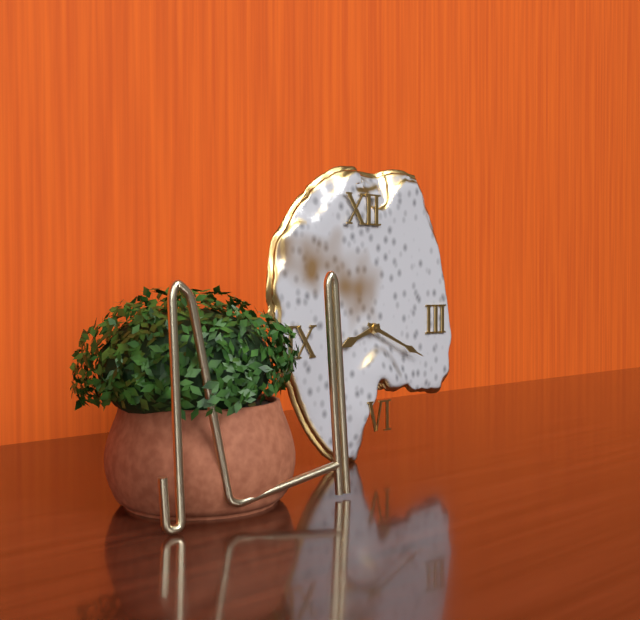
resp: 8,19
